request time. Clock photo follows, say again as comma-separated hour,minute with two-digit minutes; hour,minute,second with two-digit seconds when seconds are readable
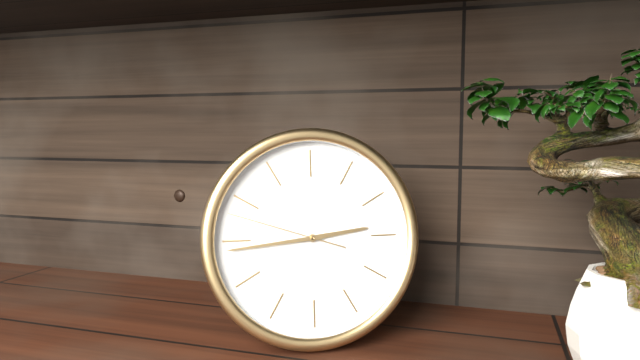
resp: 2,44,48
